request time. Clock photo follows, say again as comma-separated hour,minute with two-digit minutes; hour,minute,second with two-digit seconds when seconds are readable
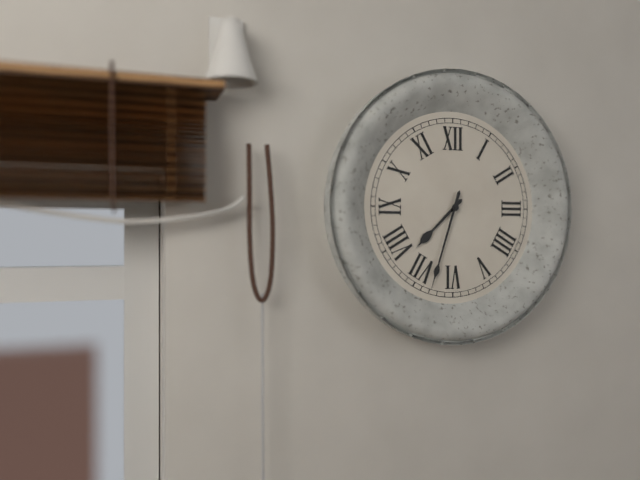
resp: 7,33
